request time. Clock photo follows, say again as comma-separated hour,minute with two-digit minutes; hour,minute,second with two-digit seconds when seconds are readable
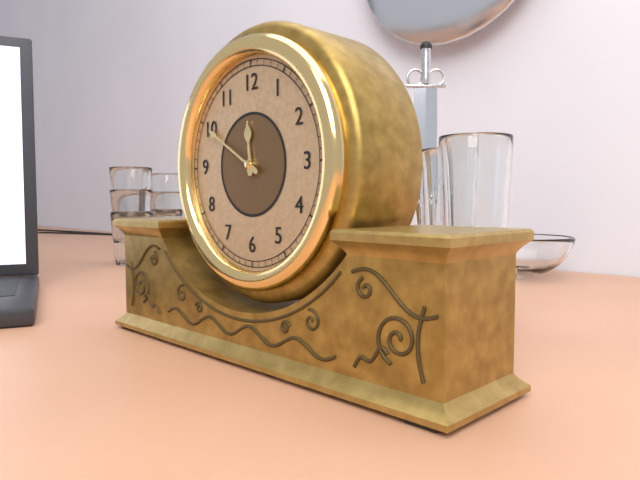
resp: 11,50
